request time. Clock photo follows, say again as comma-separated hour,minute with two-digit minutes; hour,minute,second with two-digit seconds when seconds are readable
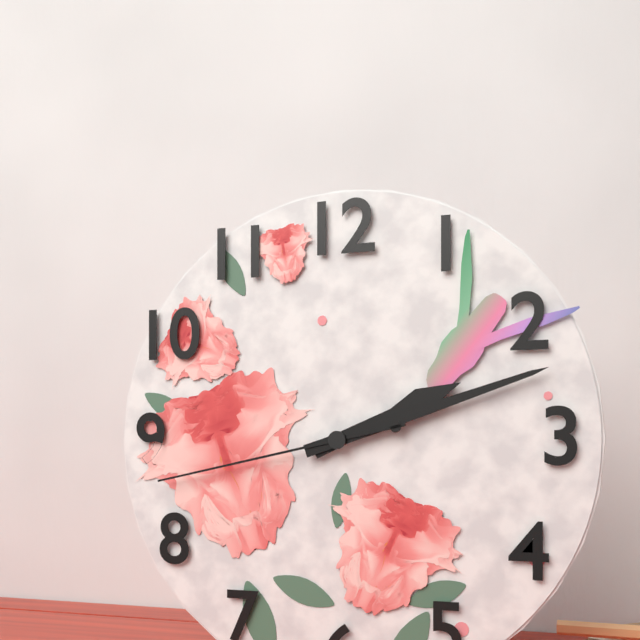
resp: 2,12,43
